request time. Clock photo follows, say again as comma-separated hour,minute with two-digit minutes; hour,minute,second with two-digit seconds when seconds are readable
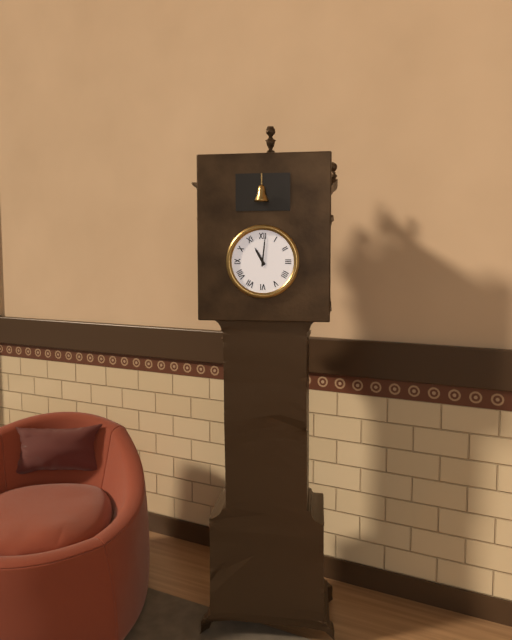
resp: 11,01
